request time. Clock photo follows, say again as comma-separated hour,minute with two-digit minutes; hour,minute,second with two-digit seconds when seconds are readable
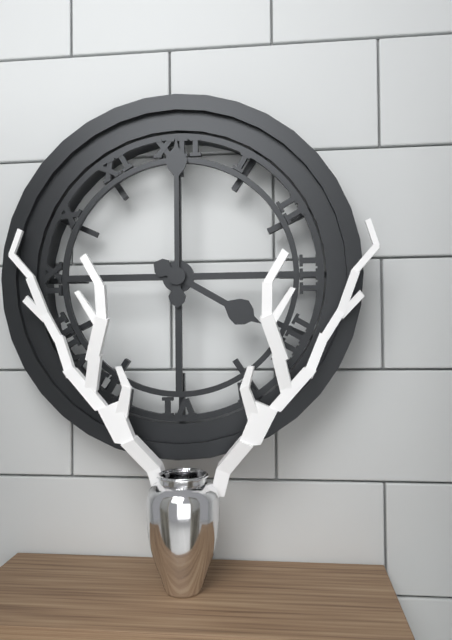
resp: 4,00
